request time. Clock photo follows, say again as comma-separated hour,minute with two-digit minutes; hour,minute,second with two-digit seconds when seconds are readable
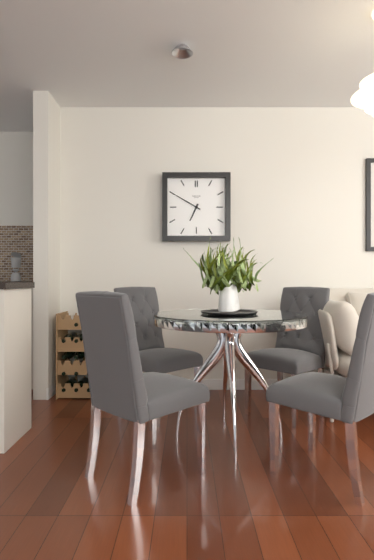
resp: 6,50
